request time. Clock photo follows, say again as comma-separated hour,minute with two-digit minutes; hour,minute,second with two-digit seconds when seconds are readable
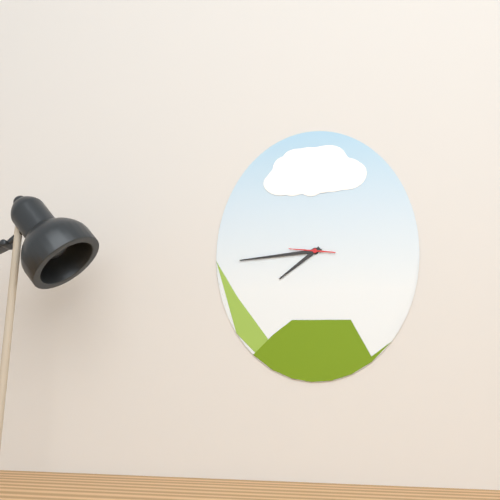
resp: 7,44
